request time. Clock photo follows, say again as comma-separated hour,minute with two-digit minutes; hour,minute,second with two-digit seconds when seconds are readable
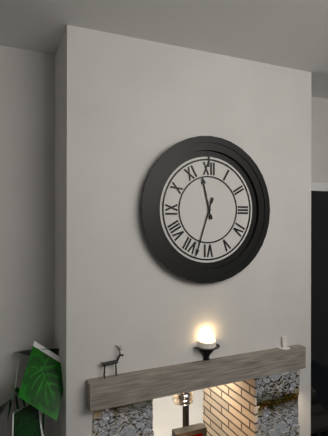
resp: 11,33
